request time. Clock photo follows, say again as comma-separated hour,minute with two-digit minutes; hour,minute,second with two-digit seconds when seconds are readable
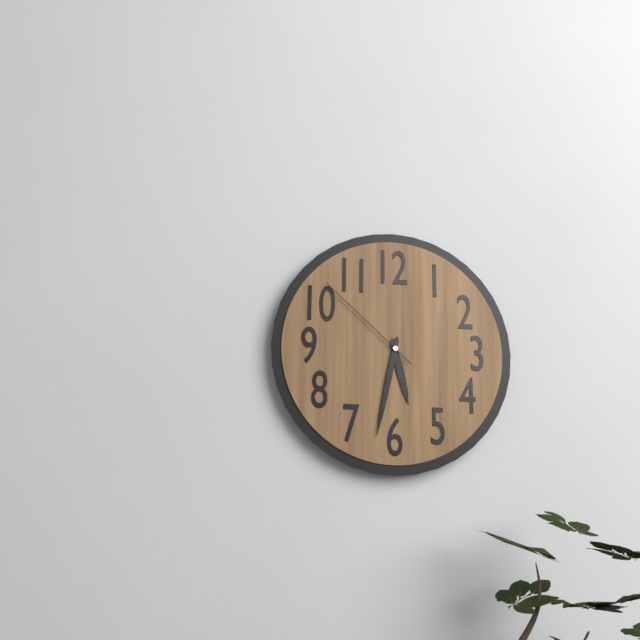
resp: 5,32,52
